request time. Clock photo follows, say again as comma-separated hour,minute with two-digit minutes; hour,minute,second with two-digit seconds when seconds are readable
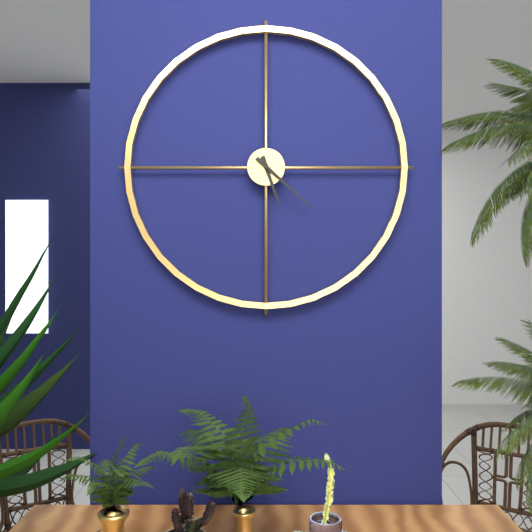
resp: 5,22
